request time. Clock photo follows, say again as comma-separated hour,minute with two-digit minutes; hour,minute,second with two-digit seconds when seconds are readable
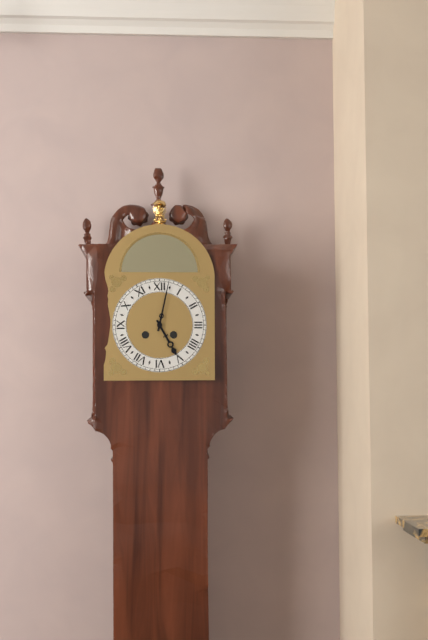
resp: 5,02
